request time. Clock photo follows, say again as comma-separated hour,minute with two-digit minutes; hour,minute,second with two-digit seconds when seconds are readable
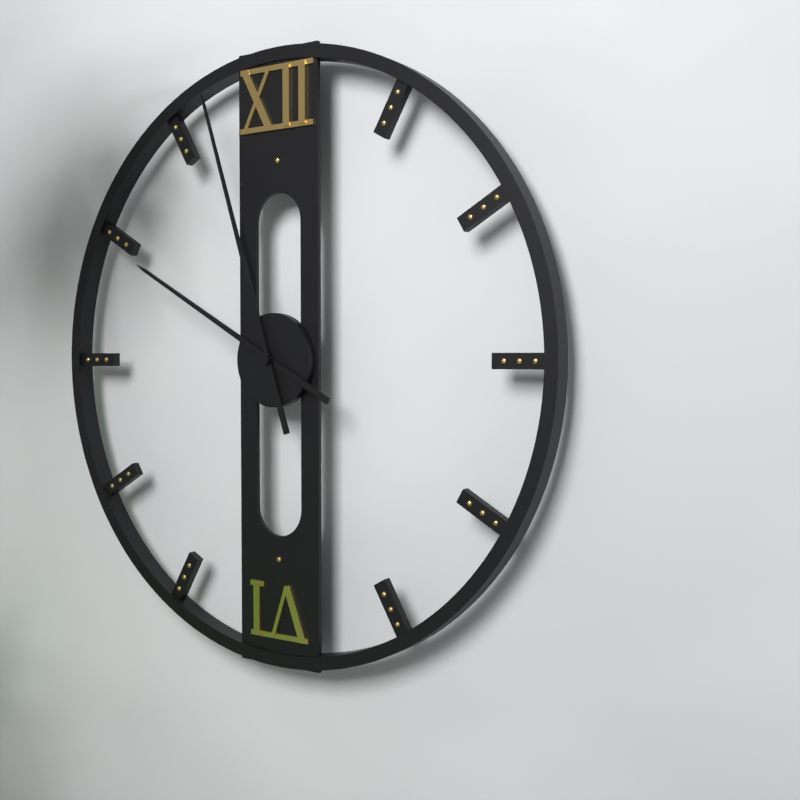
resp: 9,57
